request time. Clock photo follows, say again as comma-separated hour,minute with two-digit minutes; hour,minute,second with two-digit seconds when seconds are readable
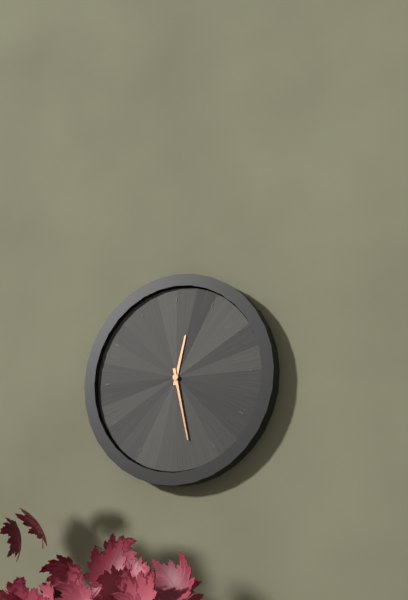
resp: 12,28
